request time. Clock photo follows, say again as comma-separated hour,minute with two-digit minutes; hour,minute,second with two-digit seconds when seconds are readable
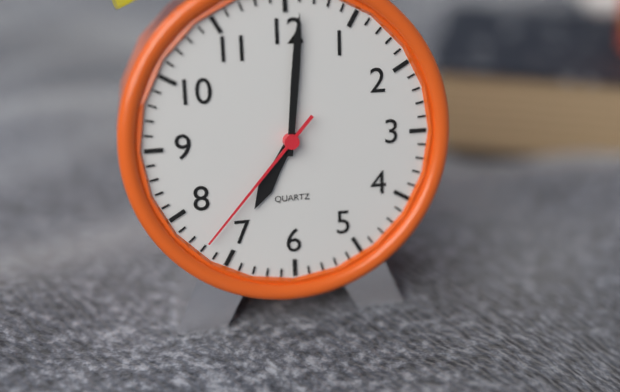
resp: 7,01,37
